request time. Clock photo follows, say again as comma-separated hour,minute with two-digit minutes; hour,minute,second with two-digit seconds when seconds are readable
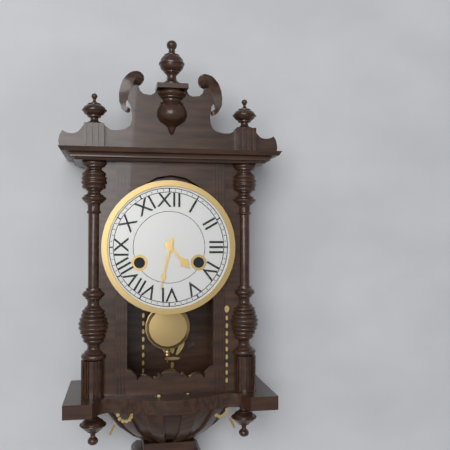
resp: 4,32
